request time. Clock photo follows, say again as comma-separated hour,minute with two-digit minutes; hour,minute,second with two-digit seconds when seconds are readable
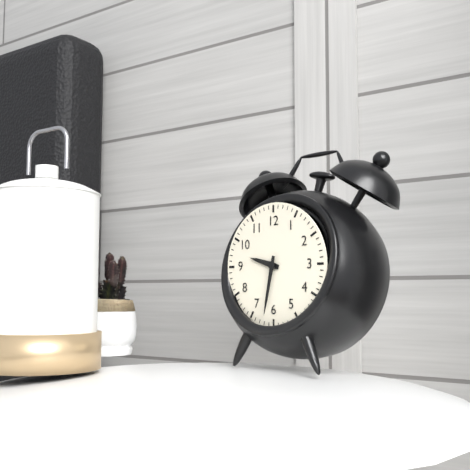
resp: 9,32
